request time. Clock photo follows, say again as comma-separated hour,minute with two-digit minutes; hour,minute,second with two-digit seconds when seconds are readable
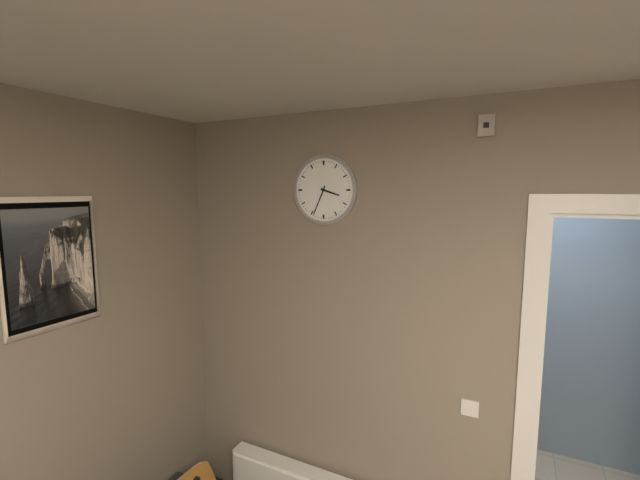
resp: 3,34
